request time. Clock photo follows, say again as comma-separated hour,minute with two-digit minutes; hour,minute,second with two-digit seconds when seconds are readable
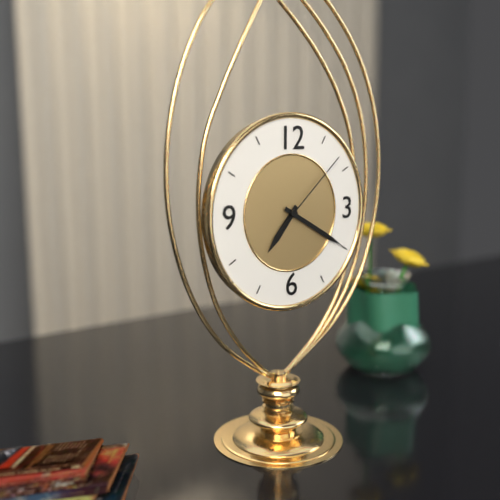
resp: 7,20,08
